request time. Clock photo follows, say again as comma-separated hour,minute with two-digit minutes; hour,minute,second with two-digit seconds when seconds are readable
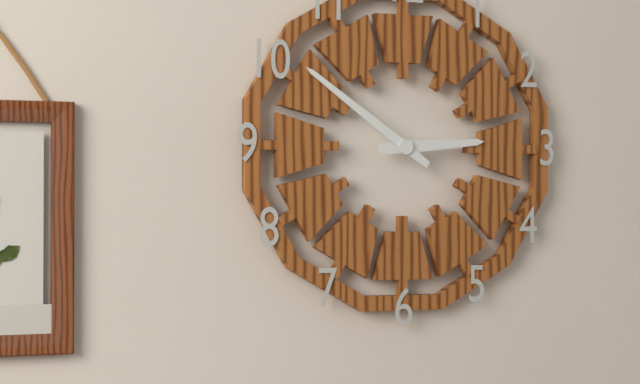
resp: 2,51
